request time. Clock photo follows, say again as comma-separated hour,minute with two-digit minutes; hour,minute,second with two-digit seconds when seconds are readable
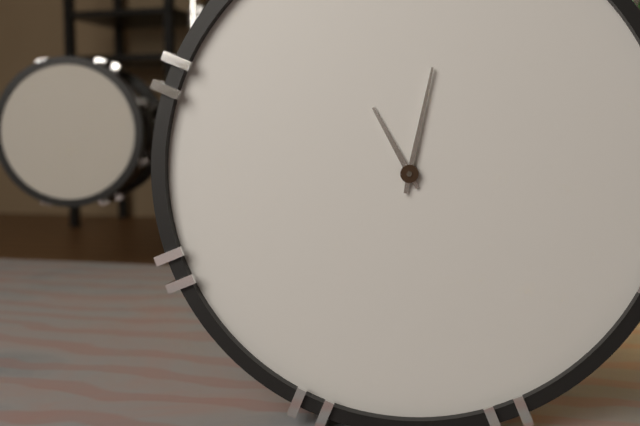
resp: 11,02
